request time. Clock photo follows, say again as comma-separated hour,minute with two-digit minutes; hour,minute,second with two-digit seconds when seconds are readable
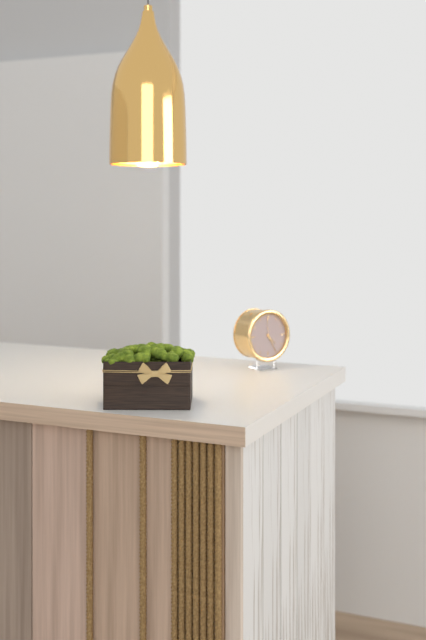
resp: 4,25
